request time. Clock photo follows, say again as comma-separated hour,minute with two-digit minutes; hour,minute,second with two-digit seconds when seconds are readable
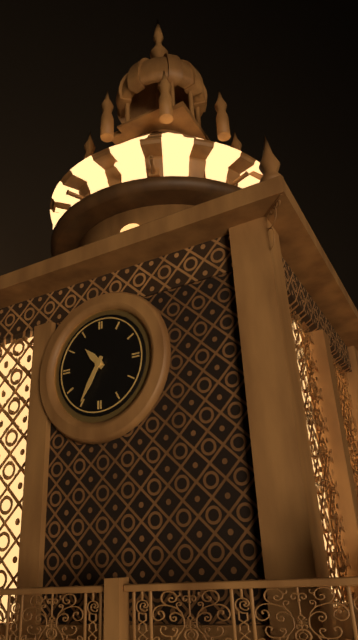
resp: 10,35
